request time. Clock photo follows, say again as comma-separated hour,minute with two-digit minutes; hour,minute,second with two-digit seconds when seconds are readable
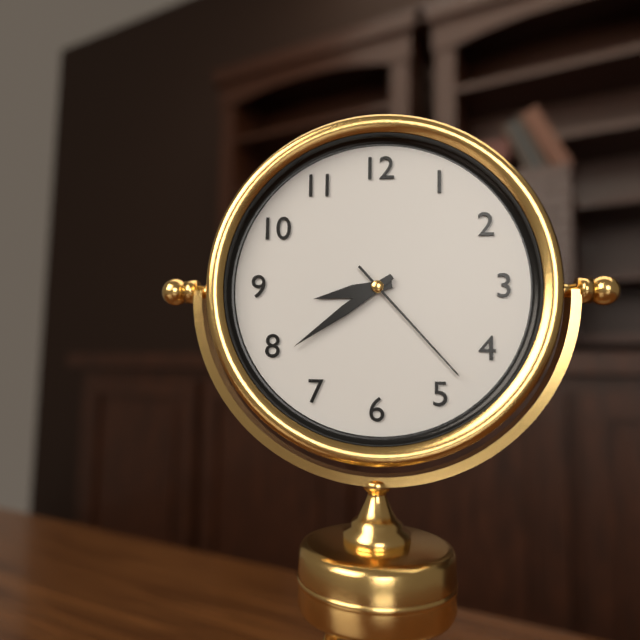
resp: 8,39,23
